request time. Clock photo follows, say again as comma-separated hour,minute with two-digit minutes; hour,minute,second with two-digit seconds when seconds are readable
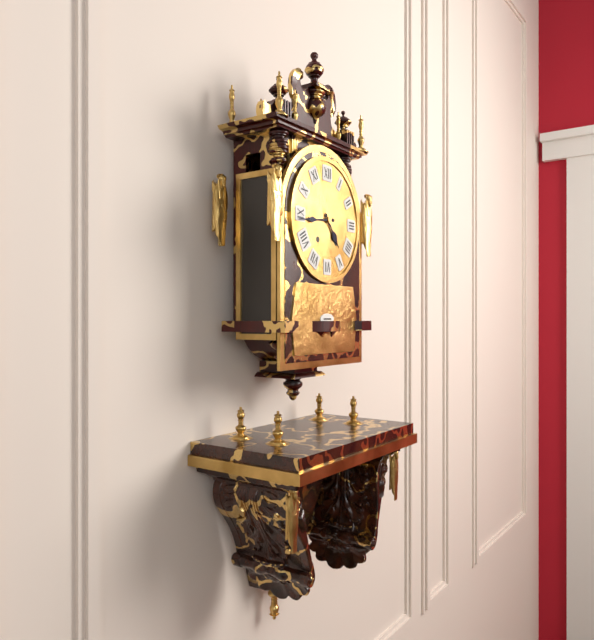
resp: 4,44
